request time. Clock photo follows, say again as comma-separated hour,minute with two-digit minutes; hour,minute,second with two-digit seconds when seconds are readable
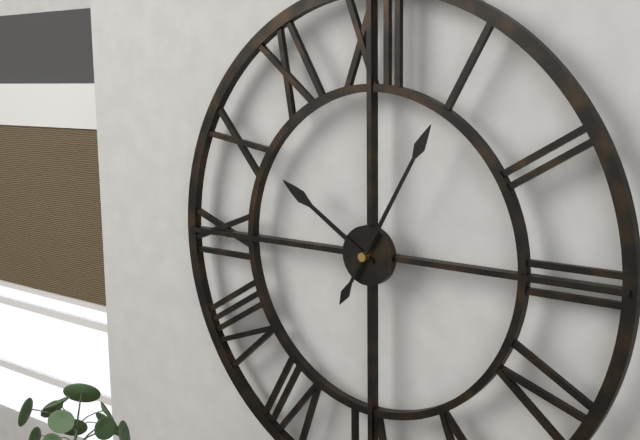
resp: 10,05
